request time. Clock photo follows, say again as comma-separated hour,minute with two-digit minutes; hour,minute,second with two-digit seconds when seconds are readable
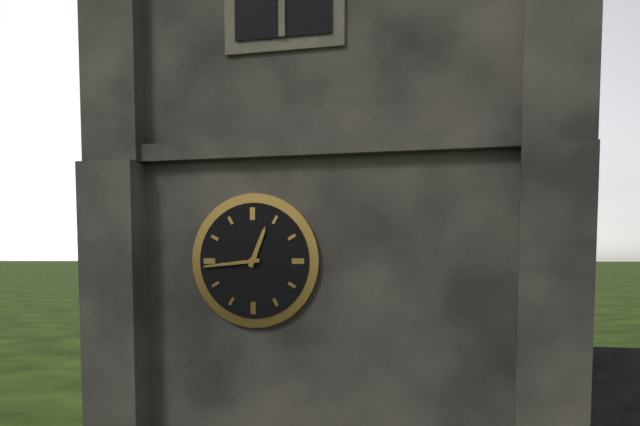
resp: 12,44
